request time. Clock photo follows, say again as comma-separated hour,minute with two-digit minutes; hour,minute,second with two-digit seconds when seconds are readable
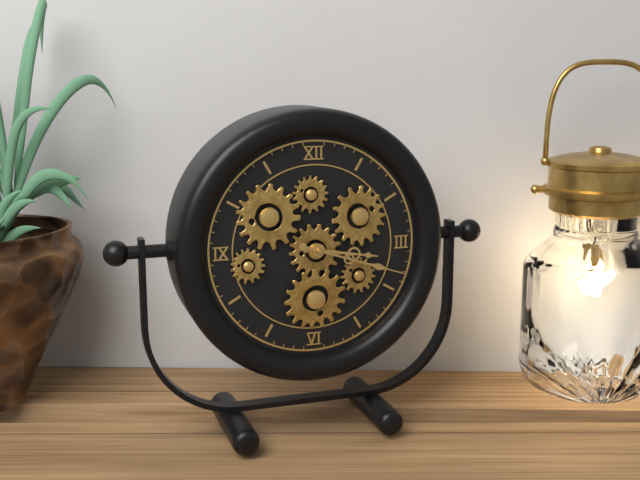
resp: 3,18
